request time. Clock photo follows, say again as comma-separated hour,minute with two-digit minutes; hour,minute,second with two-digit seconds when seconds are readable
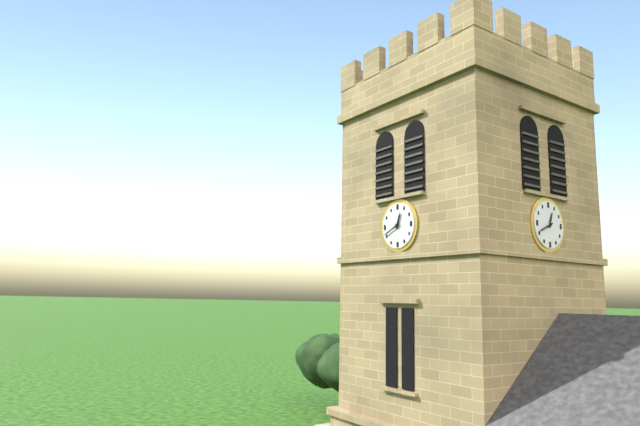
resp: 12,41
